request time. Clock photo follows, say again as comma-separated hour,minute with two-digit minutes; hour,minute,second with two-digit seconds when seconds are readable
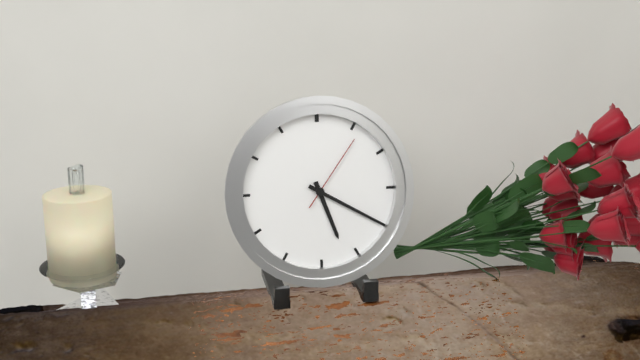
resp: 5,20,06
